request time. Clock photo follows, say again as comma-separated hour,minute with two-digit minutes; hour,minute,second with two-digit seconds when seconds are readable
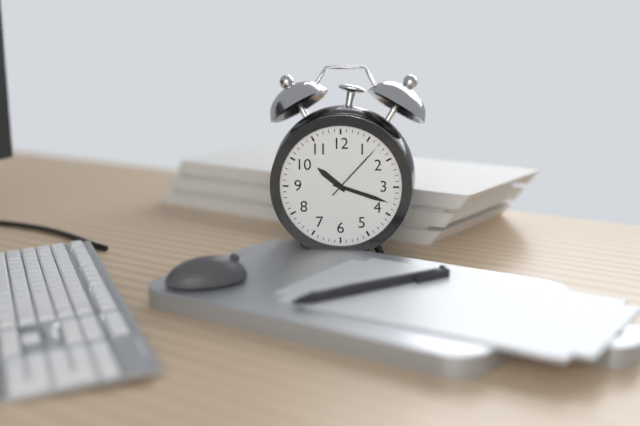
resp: 10,18,07
